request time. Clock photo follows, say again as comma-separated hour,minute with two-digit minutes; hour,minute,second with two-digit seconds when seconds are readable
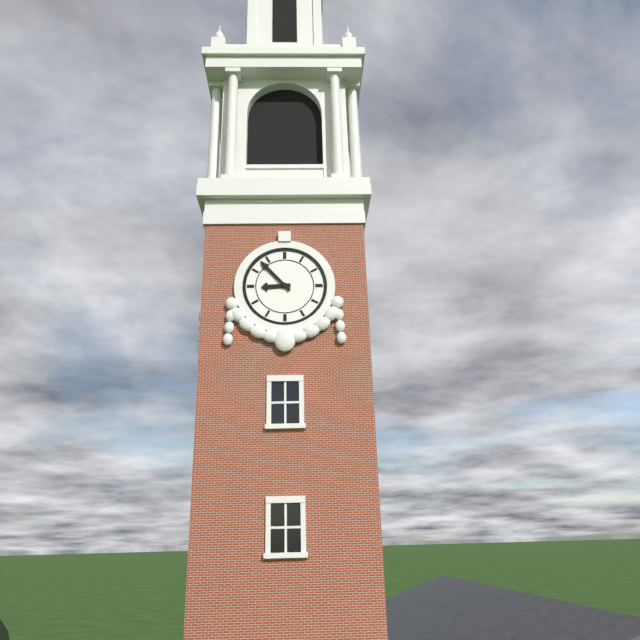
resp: 8,53
